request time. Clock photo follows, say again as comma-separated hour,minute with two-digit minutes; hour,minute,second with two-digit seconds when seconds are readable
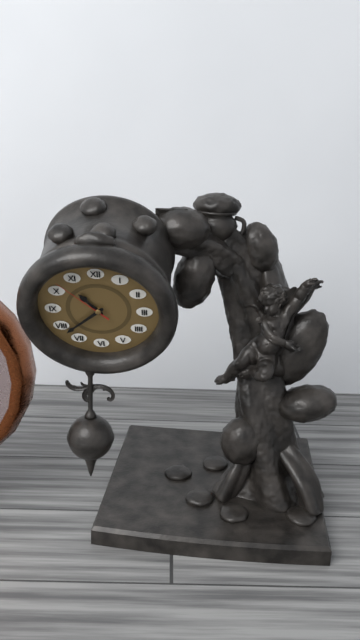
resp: 10,38,52
